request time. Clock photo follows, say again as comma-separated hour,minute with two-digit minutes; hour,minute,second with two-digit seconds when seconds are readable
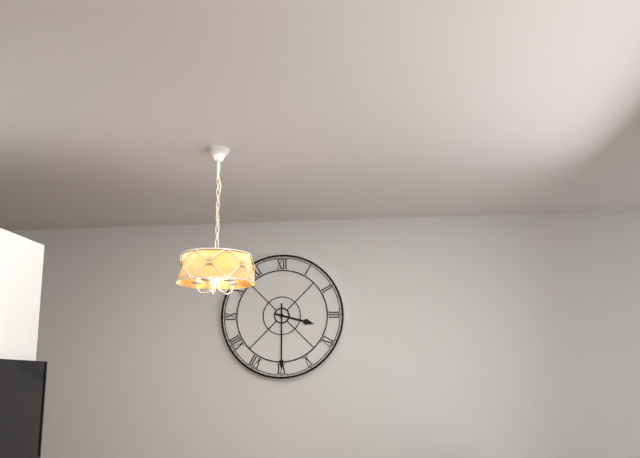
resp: 3,30
